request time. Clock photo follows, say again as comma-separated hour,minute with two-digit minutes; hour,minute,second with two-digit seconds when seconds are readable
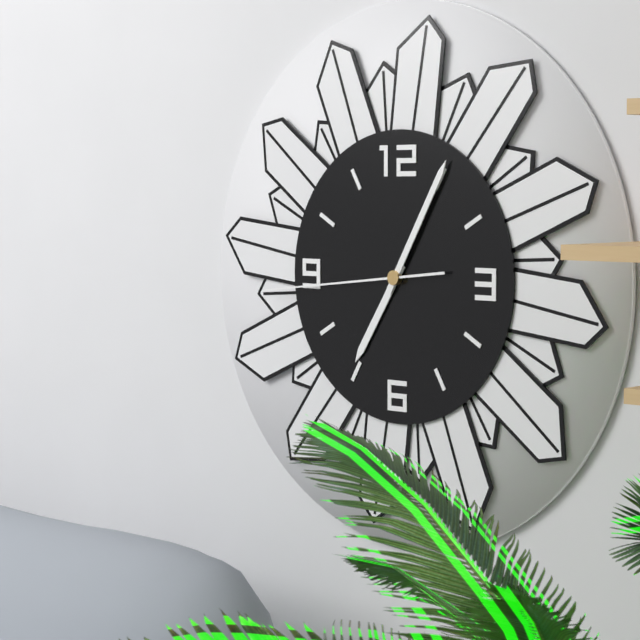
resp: 7,05,44
